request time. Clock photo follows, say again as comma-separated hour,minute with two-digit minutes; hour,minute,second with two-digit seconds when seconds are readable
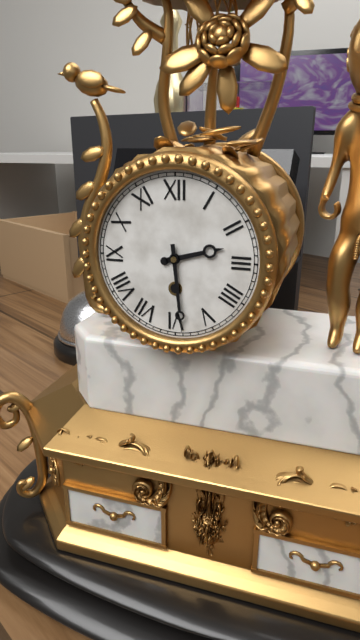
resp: 2,29
